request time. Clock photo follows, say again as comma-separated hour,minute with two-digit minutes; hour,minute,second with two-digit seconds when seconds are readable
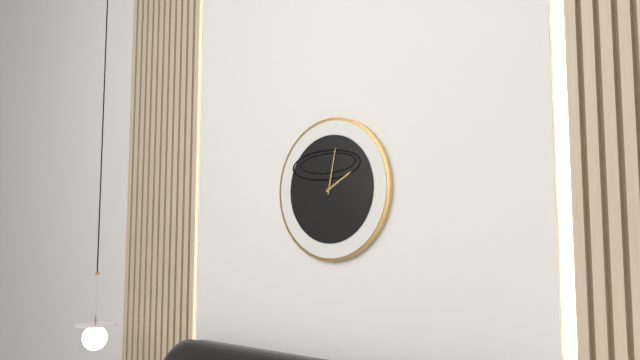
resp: 2,02
